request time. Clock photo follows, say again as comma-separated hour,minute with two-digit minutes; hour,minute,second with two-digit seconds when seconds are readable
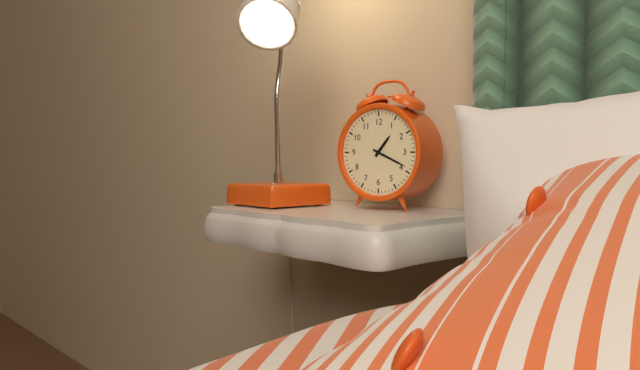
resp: 1,19
